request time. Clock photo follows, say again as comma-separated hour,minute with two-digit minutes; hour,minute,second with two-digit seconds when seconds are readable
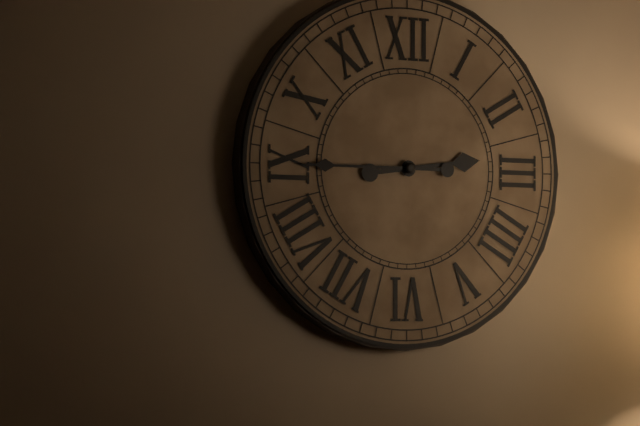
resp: 2,45
